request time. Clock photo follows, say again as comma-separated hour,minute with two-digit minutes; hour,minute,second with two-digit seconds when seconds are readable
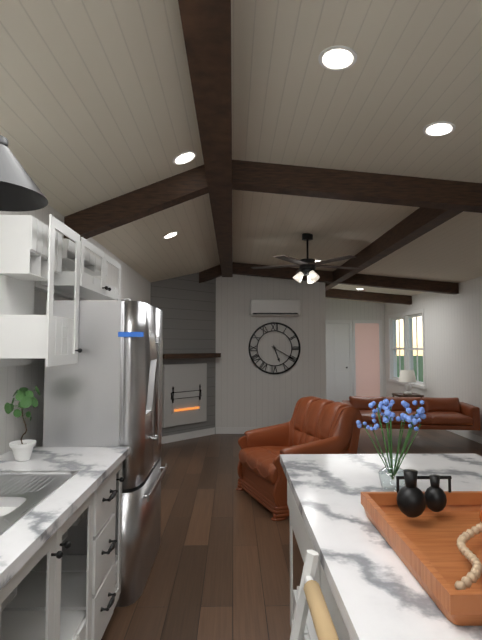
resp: 5,20
